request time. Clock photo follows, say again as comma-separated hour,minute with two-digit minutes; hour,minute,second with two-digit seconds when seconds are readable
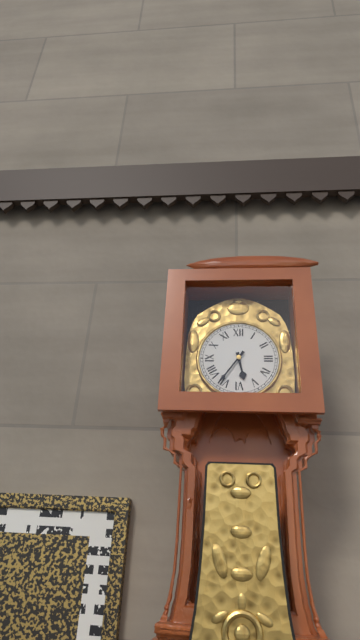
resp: 5,36
